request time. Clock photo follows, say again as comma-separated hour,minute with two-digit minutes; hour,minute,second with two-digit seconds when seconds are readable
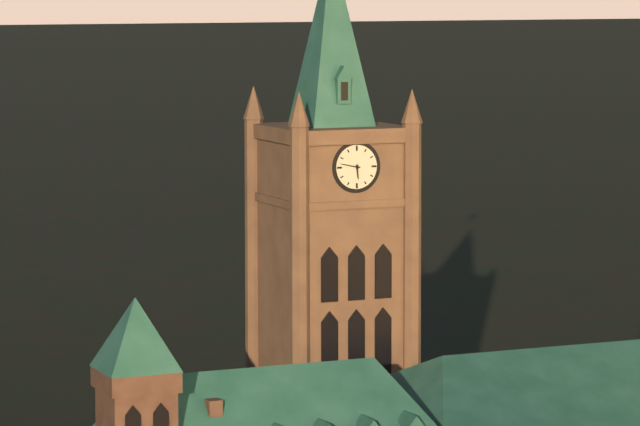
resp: 5,47
